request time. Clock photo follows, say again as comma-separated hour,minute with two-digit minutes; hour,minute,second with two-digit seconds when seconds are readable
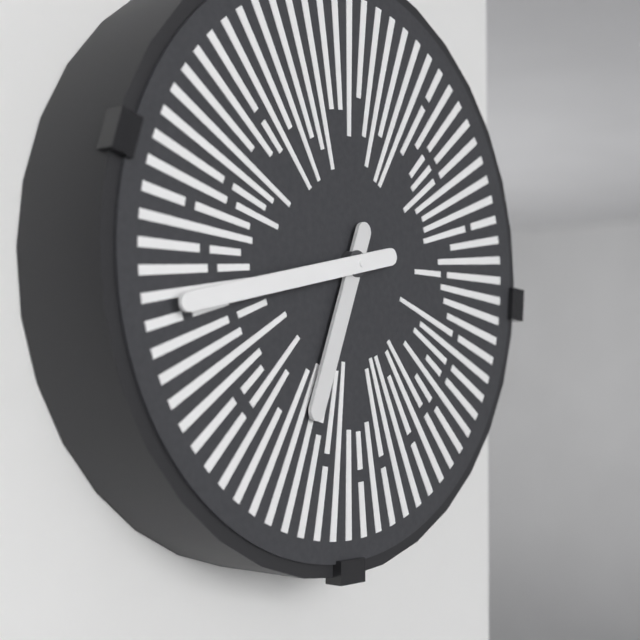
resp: 6,43
